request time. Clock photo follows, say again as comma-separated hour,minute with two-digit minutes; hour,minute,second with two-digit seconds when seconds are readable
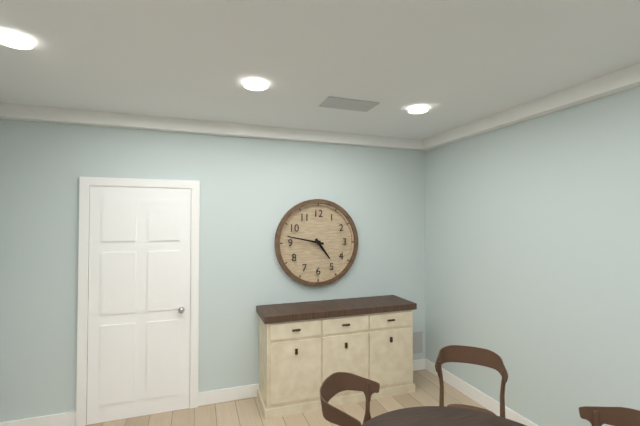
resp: 4,47
